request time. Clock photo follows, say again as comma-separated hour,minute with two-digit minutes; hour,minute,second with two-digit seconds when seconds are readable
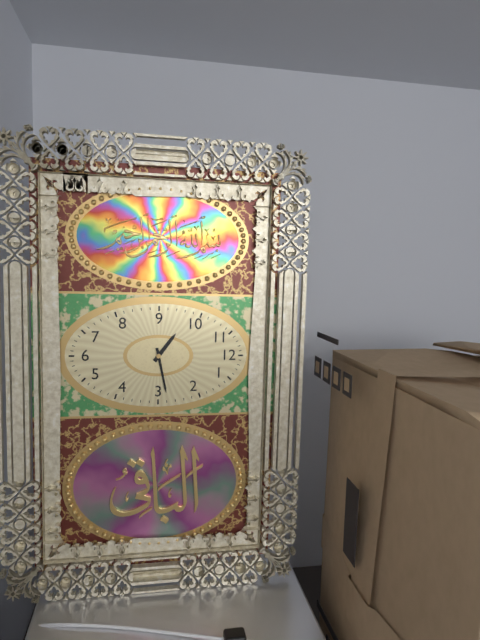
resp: 10,13
